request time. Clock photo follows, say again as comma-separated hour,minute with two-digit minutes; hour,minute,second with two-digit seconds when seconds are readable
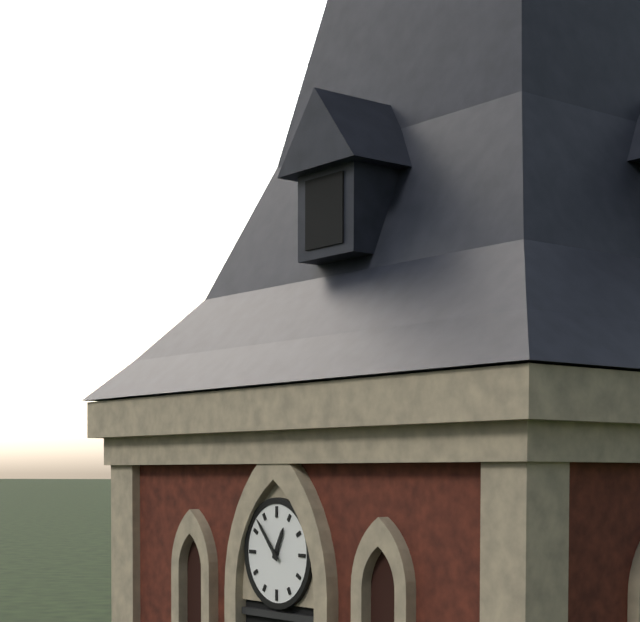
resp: 12,53
